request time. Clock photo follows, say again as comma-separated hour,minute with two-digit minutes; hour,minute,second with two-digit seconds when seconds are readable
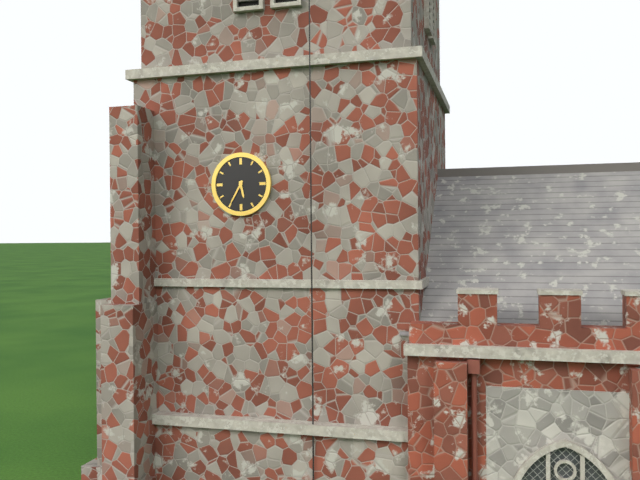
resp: 5,35
